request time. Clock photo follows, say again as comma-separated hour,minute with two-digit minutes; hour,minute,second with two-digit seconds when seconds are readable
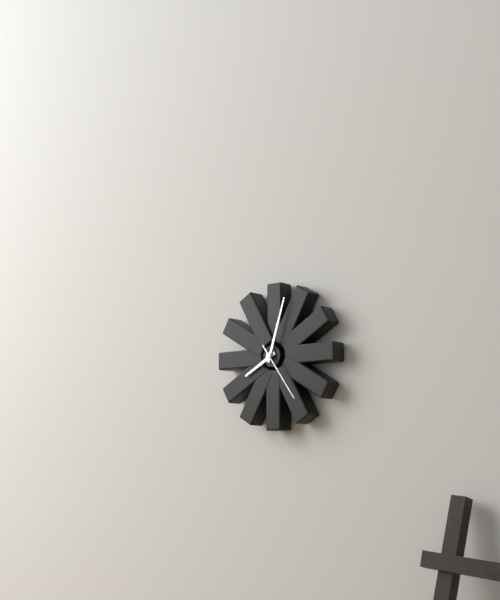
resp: 8,03,24
